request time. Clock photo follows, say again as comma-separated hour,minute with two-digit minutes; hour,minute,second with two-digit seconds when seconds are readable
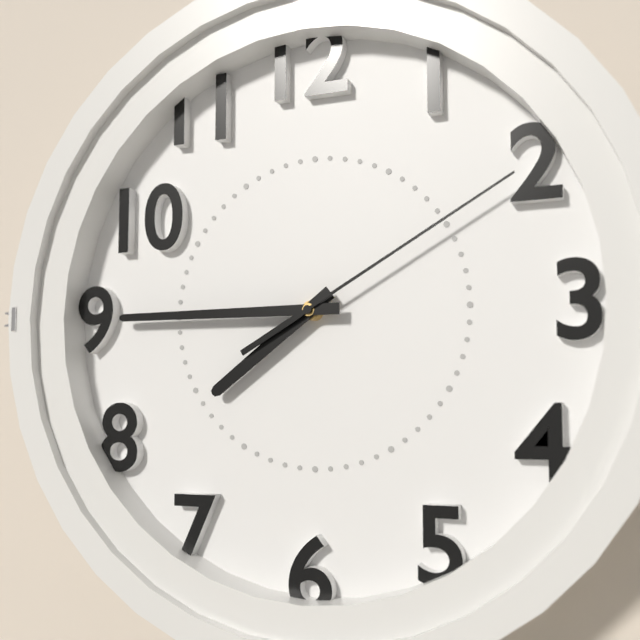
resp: 7,45,10
